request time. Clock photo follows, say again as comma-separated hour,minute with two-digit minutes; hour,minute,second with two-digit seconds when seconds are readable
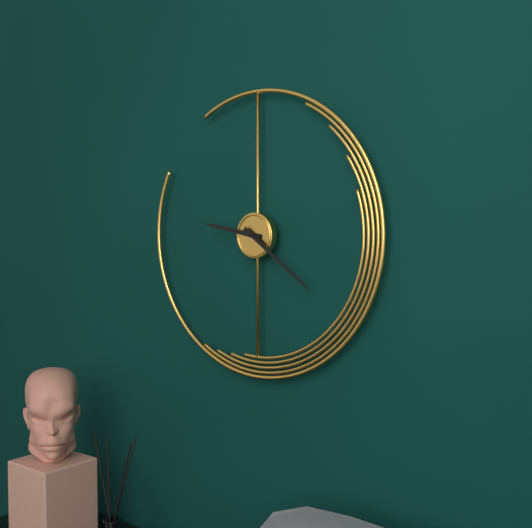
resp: 9,21
